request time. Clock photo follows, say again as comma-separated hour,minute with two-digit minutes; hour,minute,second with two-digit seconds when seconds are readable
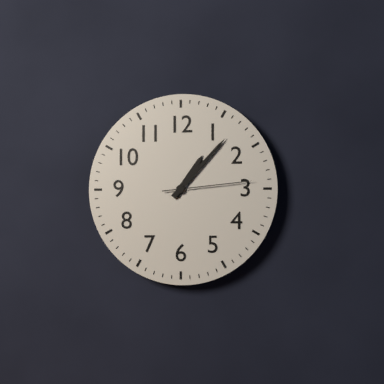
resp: 1,07,14
